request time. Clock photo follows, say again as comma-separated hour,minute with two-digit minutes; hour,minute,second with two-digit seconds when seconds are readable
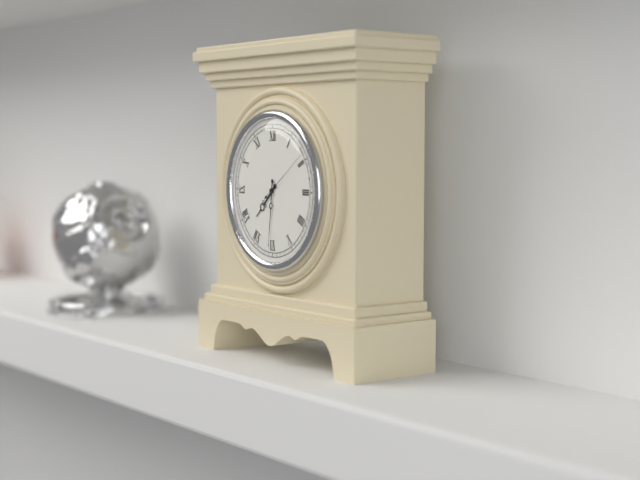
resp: 7,31,09
